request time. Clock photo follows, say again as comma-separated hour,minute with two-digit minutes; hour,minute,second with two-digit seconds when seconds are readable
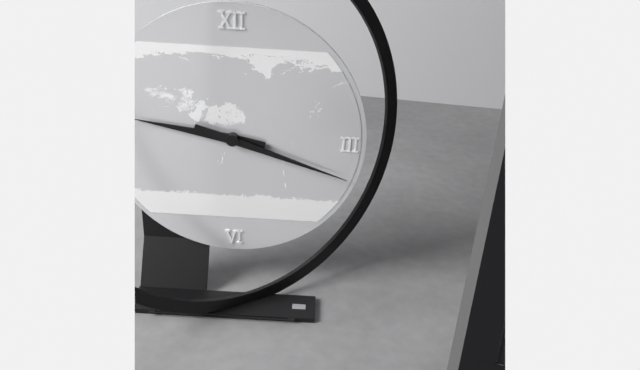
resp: 9,18
